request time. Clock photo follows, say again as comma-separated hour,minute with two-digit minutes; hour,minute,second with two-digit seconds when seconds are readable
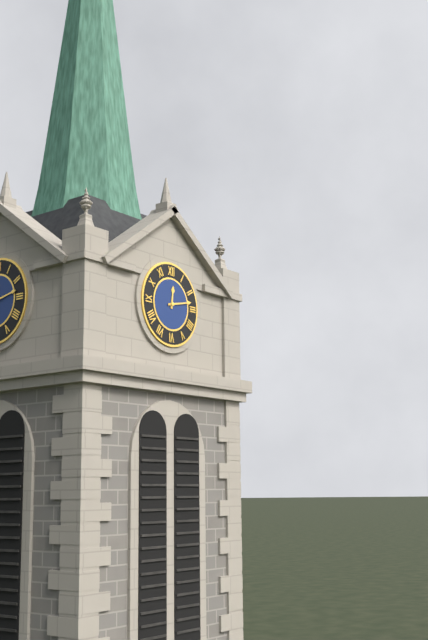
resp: 12,13
